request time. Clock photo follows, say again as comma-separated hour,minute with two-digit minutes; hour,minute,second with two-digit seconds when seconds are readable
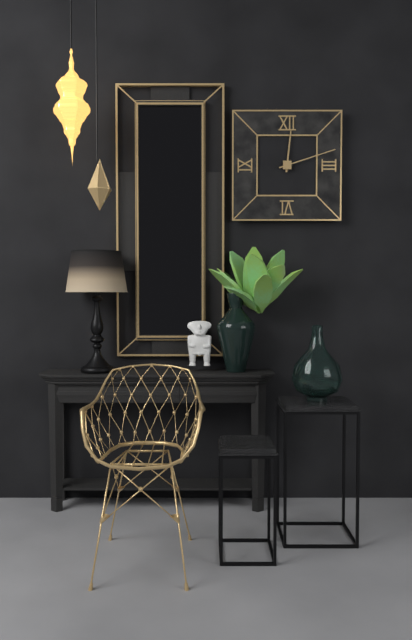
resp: 12,12
